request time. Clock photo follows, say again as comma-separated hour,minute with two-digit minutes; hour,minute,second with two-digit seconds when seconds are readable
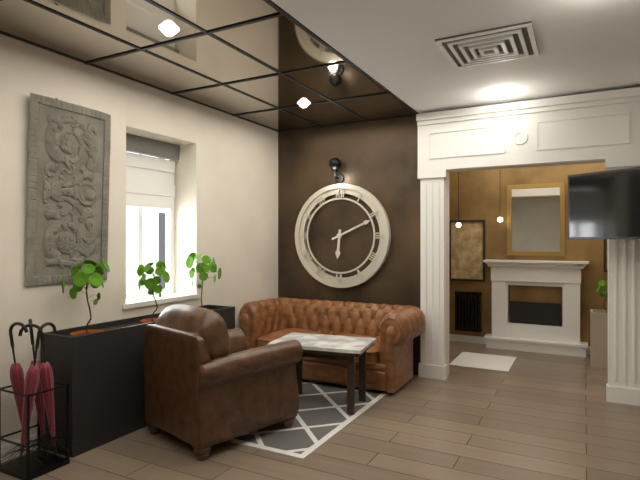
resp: 6,11
